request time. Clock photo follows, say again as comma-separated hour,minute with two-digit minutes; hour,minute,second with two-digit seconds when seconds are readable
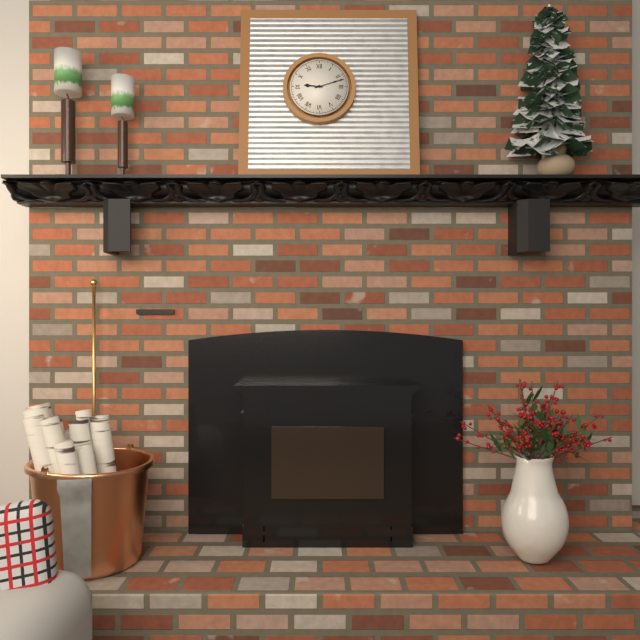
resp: 9,12
